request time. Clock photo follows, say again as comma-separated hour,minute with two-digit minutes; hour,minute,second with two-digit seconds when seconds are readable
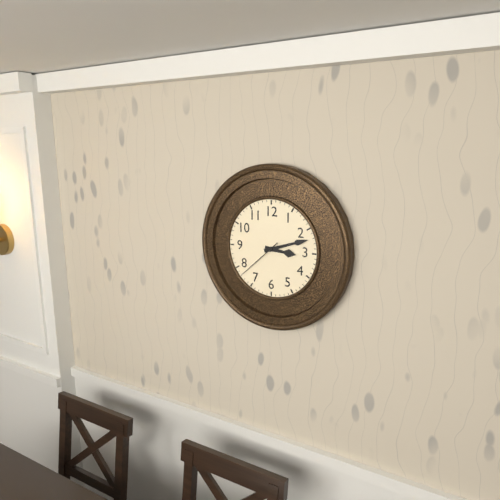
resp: 3,12
